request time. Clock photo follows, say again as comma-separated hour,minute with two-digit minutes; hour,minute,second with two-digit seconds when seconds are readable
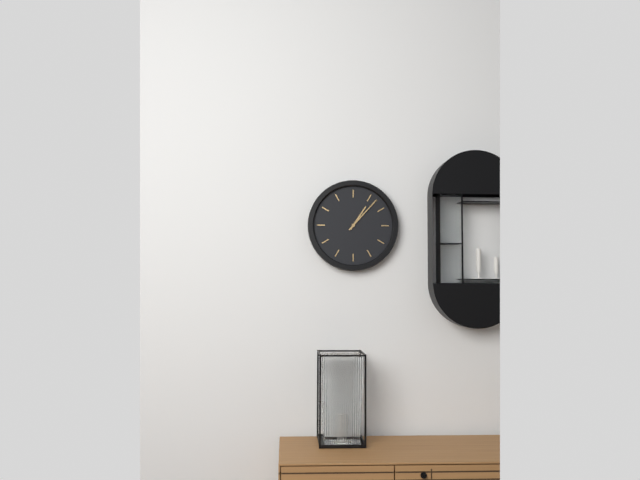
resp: 1,07
